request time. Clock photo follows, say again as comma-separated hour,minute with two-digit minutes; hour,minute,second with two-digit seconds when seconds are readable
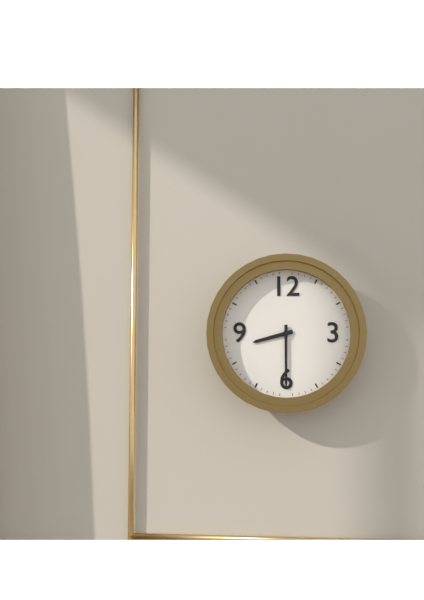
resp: 8,30
